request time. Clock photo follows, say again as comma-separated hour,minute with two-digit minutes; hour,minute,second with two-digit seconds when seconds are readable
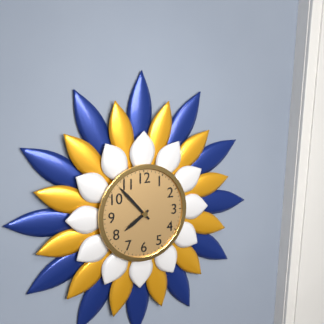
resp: 7,53
